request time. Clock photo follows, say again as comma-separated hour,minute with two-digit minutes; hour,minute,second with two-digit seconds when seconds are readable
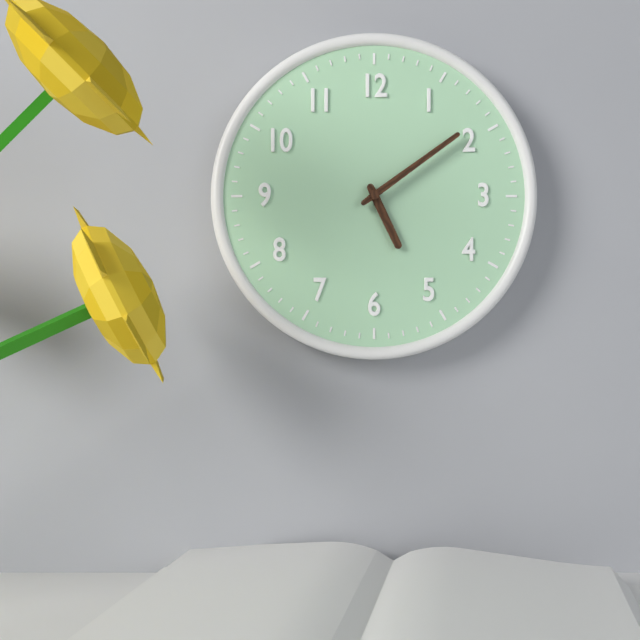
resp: 5,09
